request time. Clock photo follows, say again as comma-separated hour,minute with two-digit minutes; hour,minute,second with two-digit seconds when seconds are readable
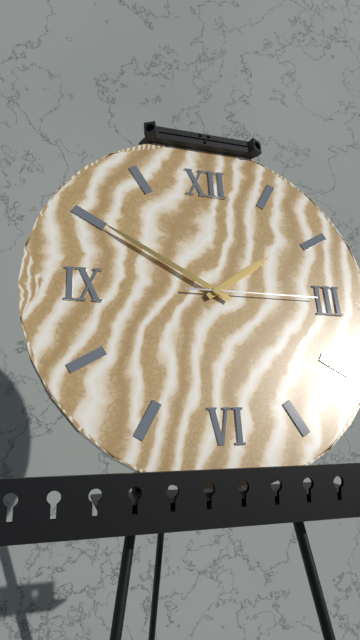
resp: 1,50,15
